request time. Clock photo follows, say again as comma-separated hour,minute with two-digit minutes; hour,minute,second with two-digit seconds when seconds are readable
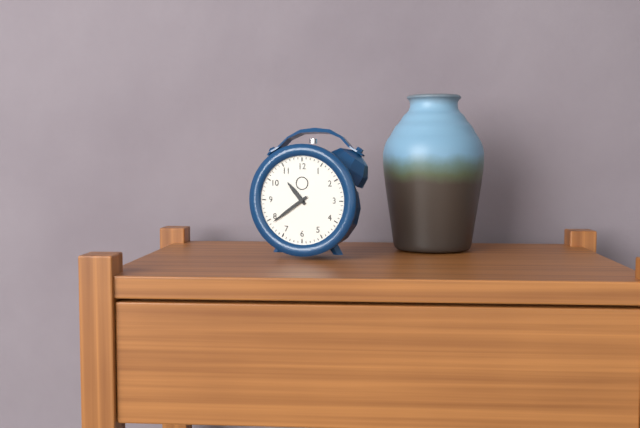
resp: 10,39
